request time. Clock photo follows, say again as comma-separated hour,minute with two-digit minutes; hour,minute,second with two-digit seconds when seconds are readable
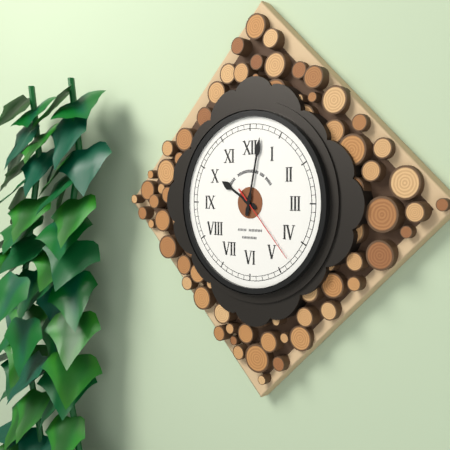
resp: 10,02,23
